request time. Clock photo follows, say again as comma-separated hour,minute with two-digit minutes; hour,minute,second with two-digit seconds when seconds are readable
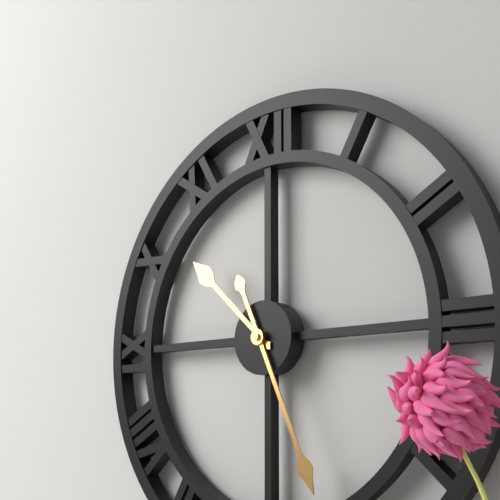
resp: 10,26
